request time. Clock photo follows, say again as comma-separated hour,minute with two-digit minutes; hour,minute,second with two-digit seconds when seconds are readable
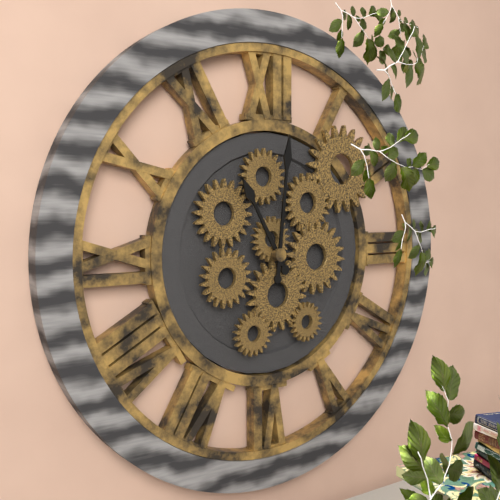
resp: 11,01
